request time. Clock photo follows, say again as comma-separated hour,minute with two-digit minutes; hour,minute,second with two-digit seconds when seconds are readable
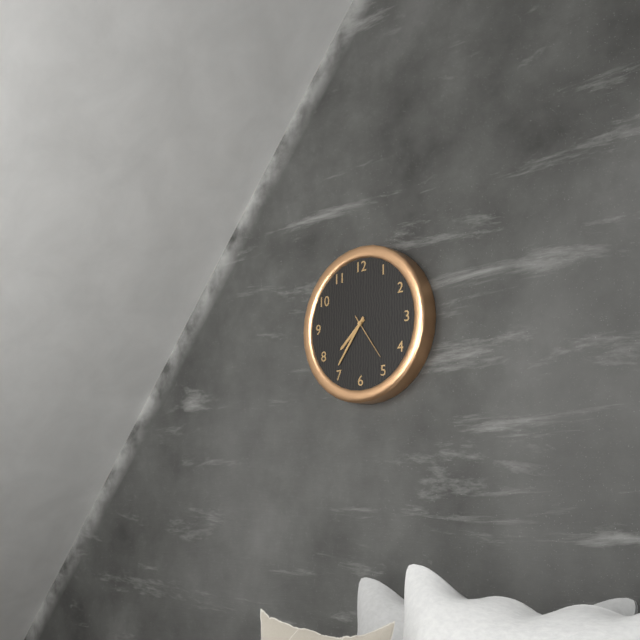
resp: 7,36
